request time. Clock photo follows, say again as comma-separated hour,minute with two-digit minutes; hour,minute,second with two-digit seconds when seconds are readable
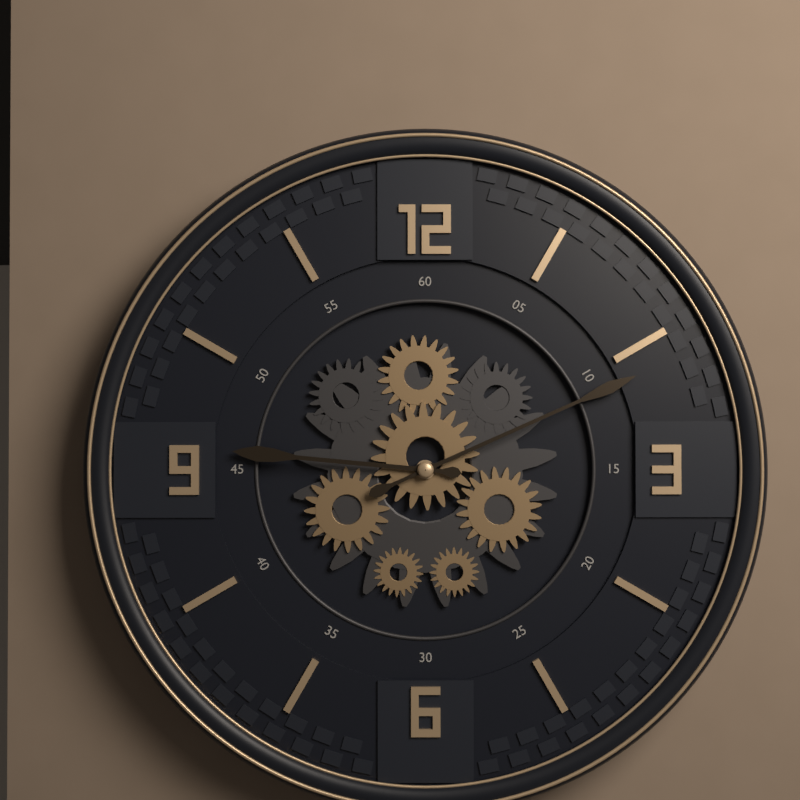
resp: 9,11
